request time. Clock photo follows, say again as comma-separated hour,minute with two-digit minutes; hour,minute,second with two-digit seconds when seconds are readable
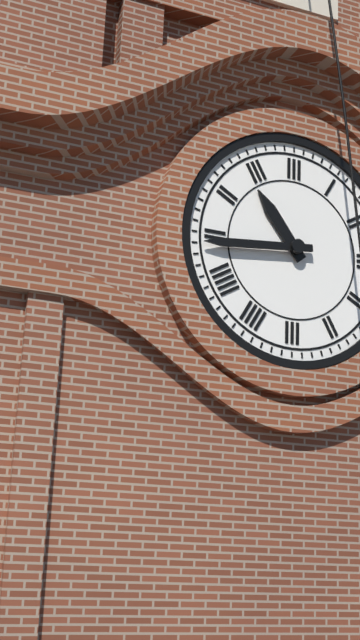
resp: 10,44
